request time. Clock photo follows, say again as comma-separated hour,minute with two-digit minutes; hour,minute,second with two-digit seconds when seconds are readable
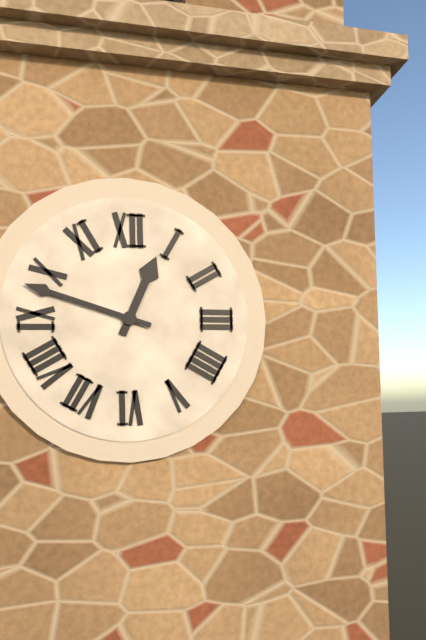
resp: 12,48
